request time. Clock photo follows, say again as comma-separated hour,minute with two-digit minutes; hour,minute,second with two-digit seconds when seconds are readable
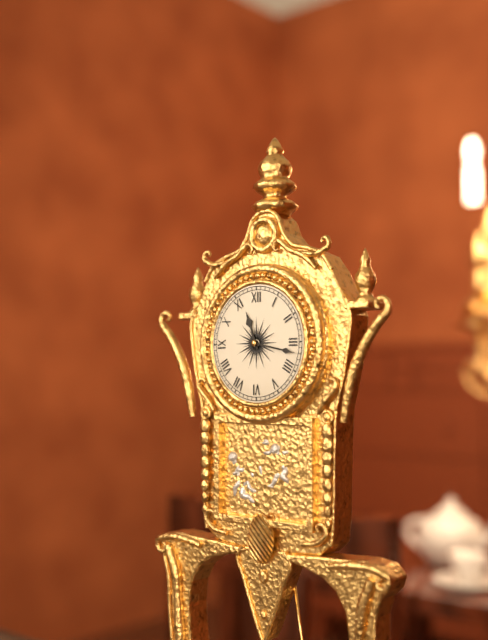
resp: 11,17
